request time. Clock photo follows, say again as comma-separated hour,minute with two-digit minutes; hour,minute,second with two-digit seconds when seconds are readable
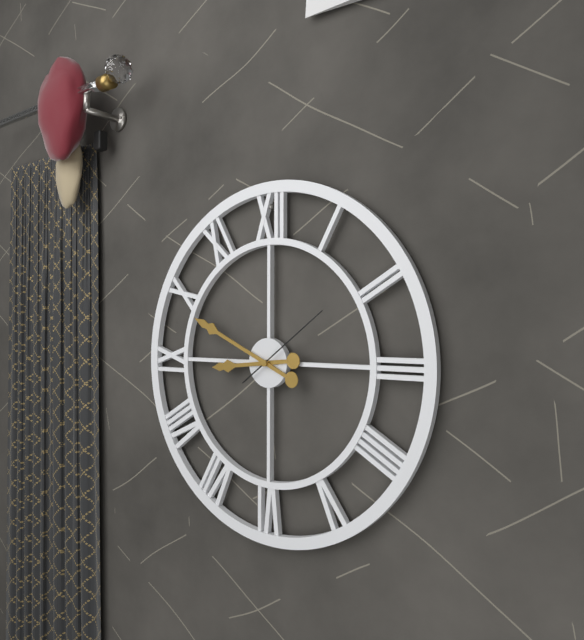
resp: 8,49,09
